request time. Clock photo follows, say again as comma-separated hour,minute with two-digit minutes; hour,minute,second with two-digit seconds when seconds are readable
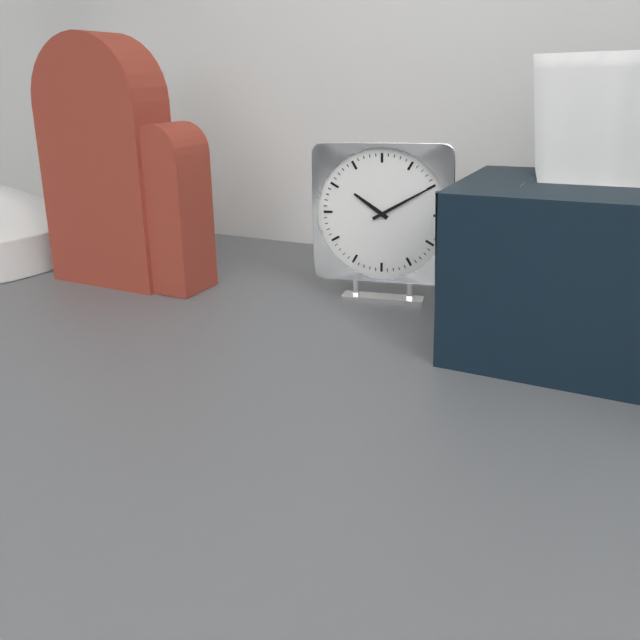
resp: 10,10
